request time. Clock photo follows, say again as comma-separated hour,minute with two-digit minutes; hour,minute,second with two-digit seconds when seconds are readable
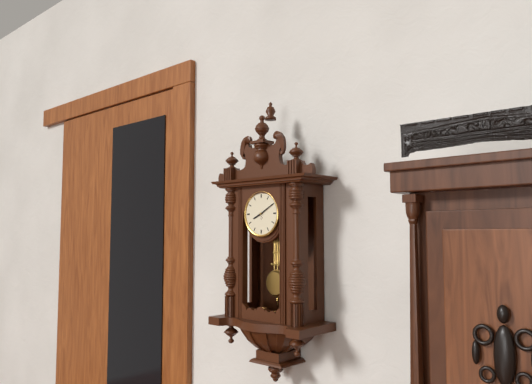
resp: 8,10
